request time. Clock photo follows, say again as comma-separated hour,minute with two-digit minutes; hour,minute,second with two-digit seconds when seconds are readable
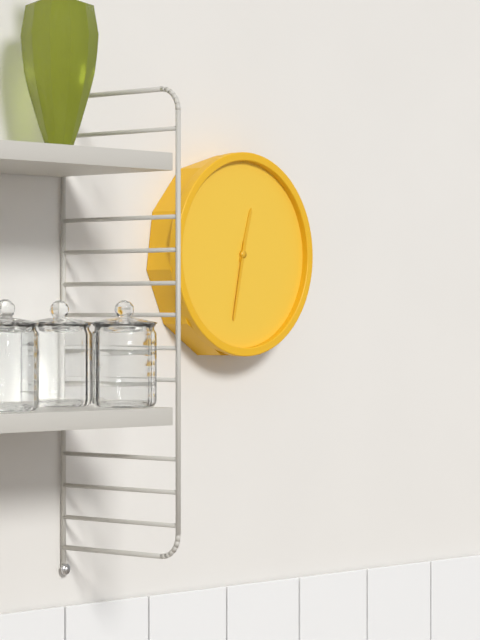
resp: 12,32
